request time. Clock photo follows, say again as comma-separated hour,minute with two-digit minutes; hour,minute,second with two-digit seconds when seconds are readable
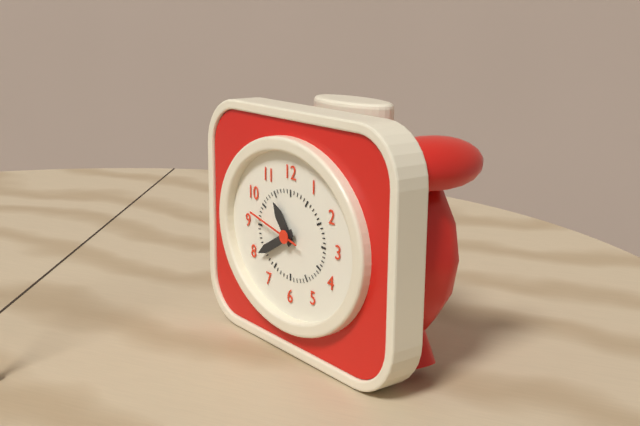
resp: 10,40,47
